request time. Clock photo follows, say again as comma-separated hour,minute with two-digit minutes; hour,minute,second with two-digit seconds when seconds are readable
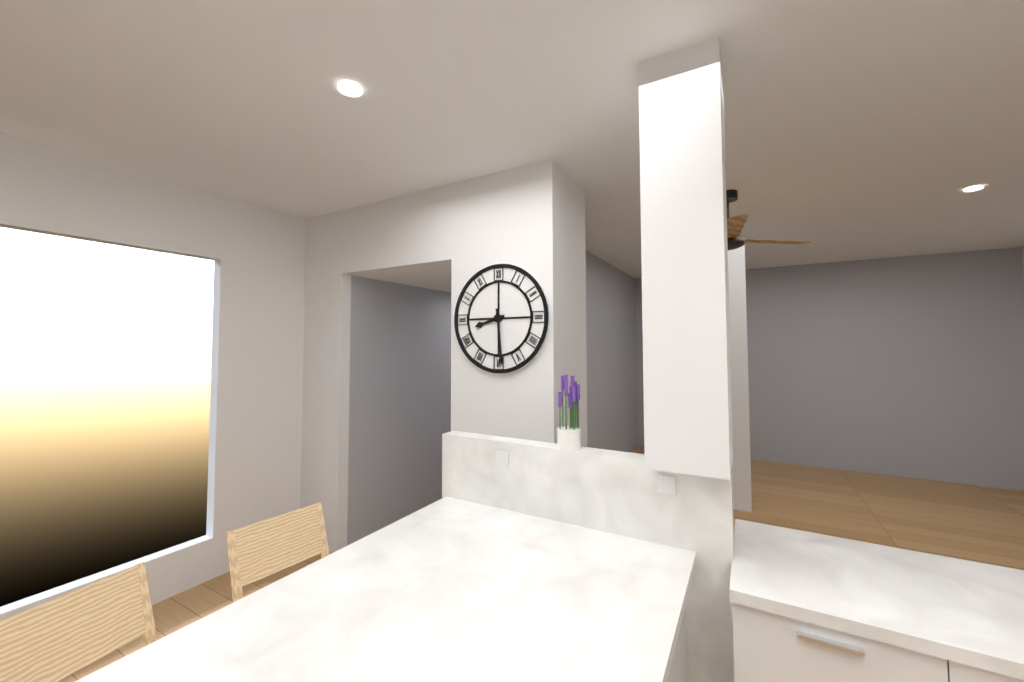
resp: 8,29
